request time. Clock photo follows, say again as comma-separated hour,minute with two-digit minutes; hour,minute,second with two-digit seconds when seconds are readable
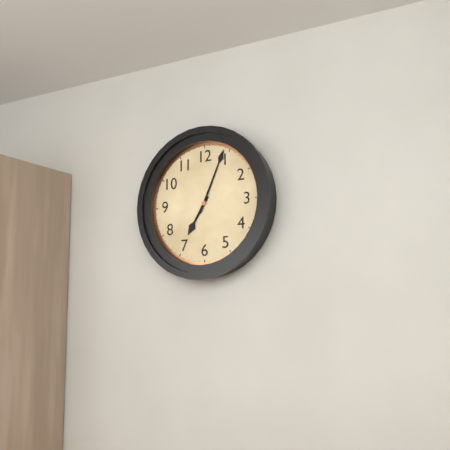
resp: 7,04
